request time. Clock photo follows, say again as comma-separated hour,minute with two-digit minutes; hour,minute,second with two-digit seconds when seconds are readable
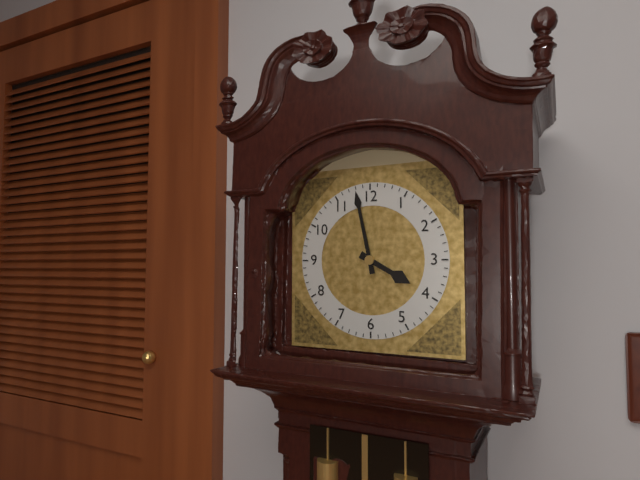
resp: 3,58
